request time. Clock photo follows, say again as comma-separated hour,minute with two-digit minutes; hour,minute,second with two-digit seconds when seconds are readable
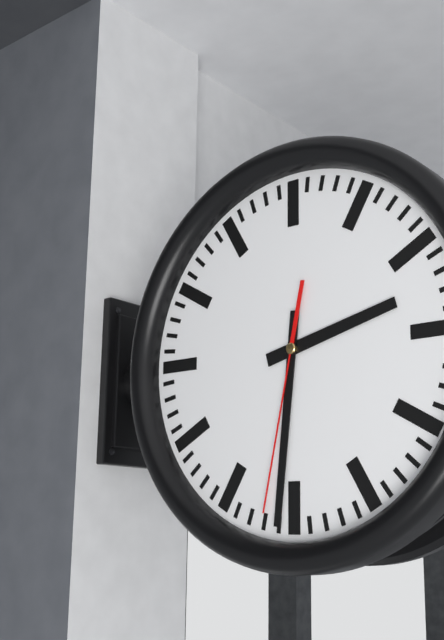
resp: 2,31,32
